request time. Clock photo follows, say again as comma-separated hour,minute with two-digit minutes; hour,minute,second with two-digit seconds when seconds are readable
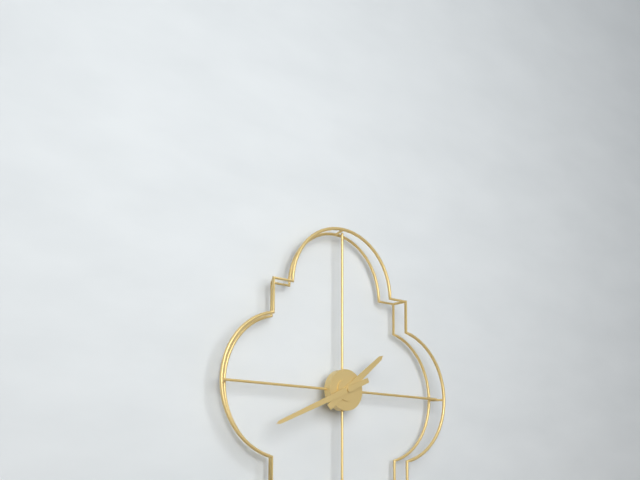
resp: 1,41
